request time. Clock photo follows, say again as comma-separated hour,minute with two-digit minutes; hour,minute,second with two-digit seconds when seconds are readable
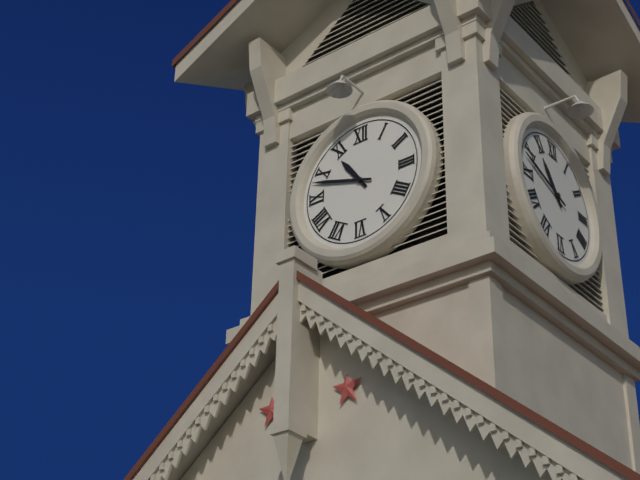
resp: 10,48
